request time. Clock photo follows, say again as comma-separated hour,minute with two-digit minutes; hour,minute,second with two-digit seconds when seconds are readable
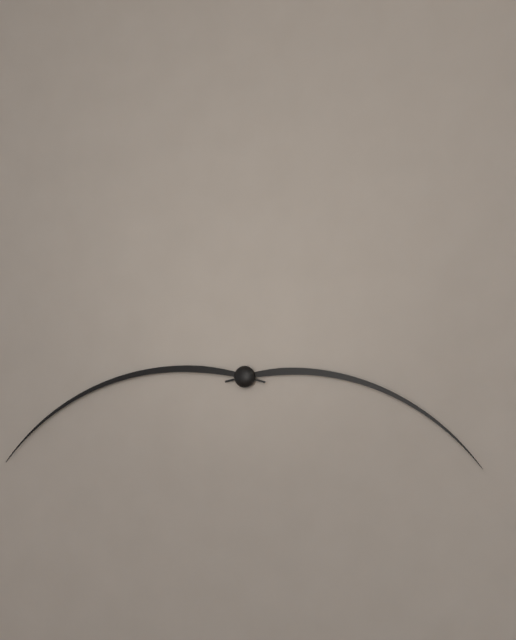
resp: 3,42
